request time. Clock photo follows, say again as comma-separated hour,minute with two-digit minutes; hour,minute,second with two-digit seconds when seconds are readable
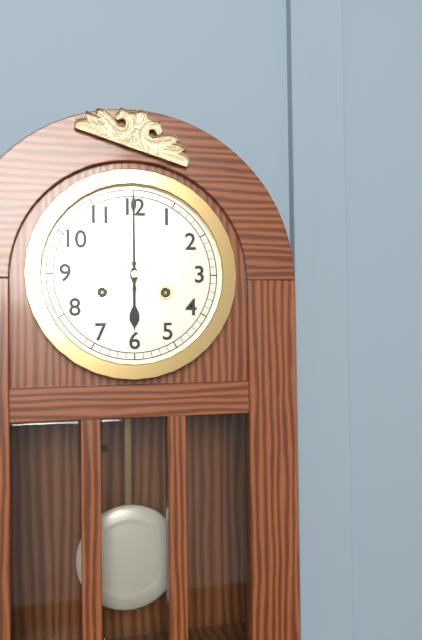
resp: 6,00
